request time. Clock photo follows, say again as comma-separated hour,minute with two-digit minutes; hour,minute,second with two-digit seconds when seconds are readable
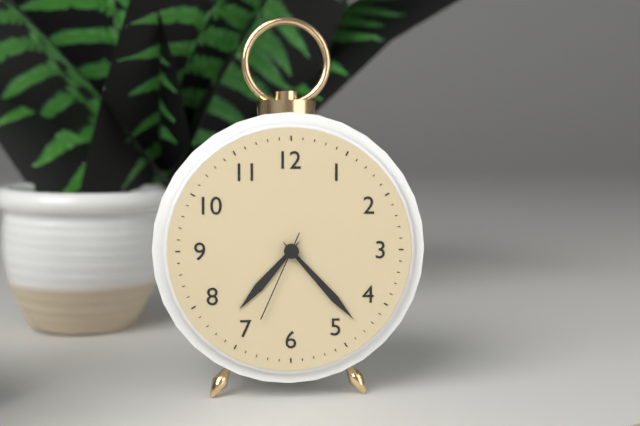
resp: 7,23,34
